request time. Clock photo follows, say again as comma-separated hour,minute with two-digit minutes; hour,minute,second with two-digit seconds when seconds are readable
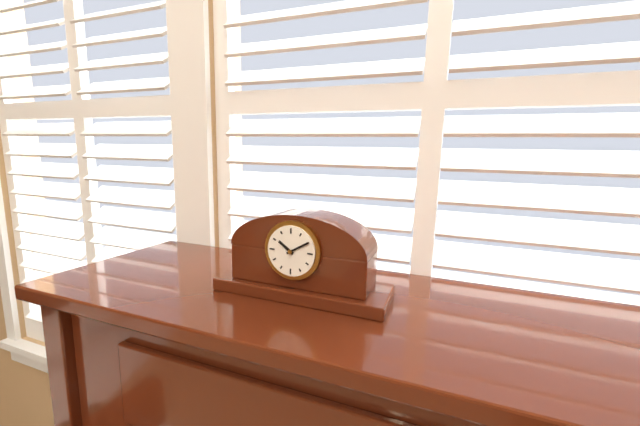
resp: 10,10
